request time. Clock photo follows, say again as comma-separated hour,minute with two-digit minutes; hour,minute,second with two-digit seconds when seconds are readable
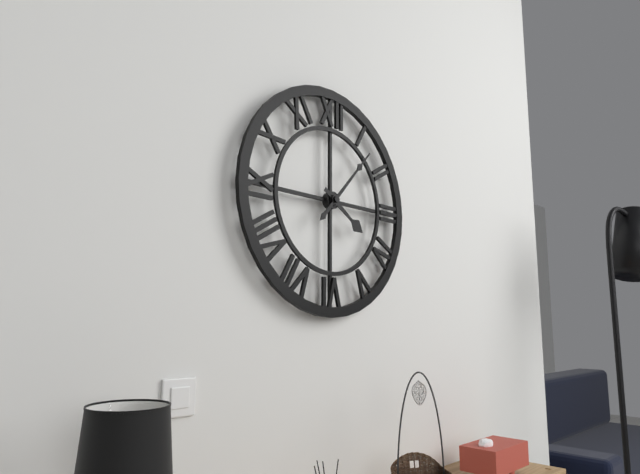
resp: 4,07
